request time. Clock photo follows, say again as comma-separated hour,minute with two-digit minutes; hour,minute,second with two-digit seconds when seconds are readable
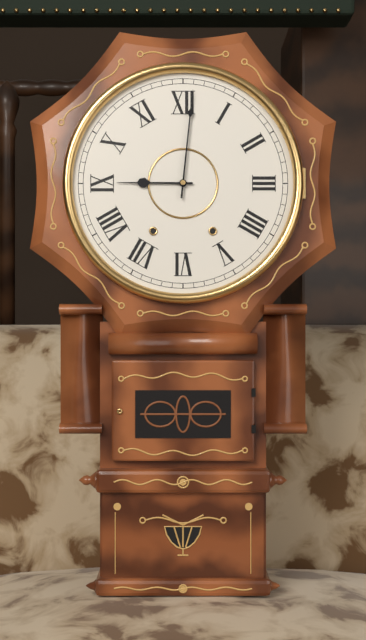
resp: 9,01
